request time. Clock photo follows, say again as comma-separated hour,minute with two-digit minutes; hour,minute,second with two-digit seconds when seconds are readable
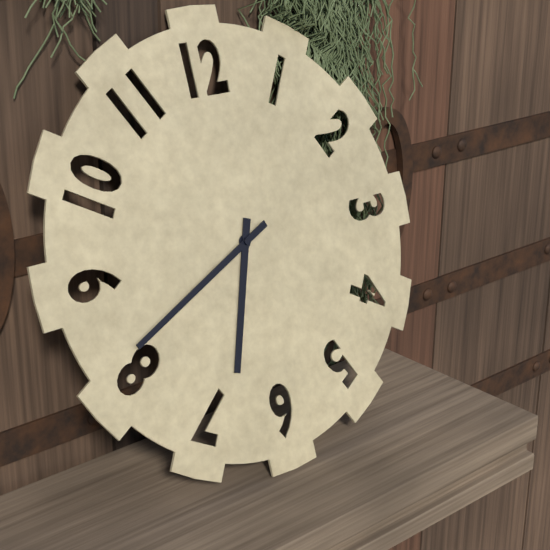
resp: 6,41
